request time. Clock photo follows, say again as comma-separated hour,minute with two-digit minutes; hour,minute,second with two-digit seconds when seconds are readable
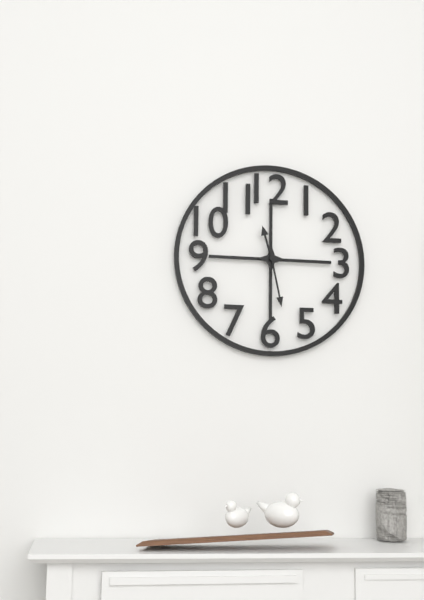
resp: 11,28
